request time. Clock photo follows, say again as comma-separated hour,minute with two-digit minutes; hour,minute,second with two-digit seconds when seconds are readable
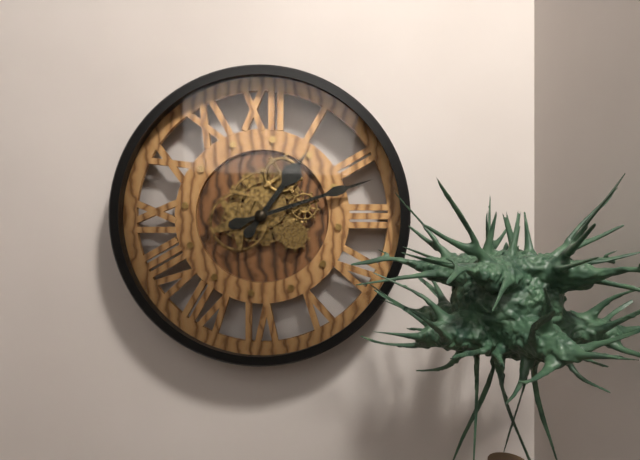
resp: 1,12
